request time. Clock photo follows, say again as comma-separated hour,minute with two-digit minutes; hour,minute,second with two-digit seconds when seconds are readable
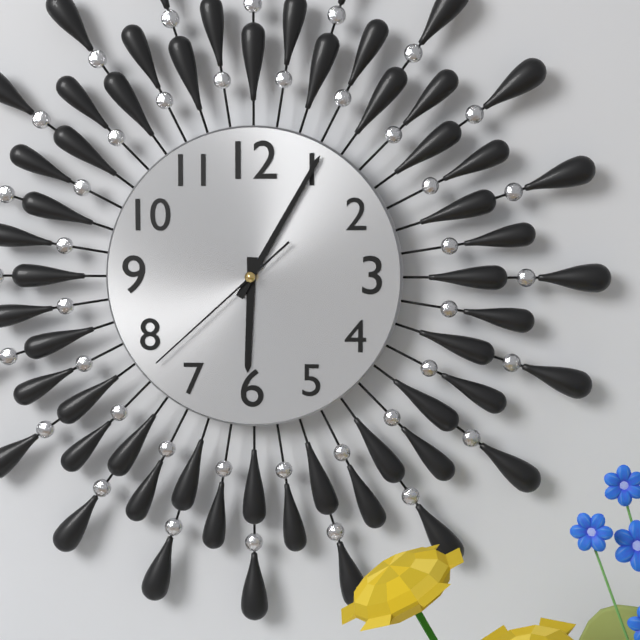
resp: 6,05,38
